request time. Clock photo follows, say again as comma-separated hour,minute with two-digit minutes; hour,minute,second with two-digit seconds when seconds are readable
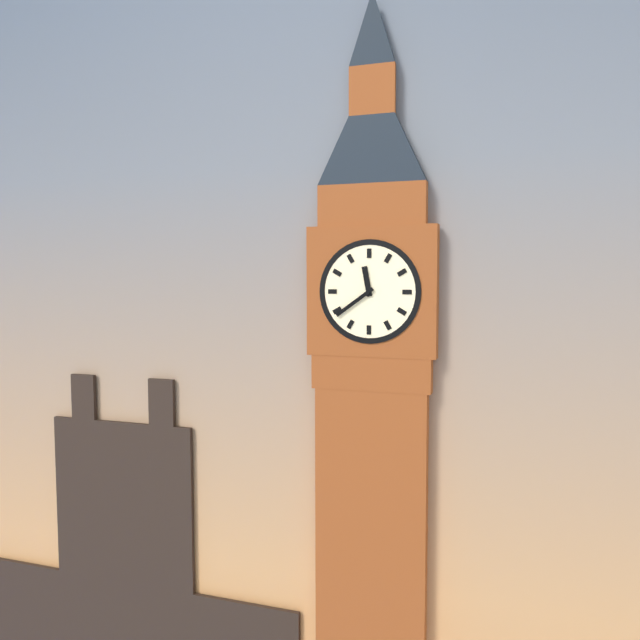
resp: 11,39
